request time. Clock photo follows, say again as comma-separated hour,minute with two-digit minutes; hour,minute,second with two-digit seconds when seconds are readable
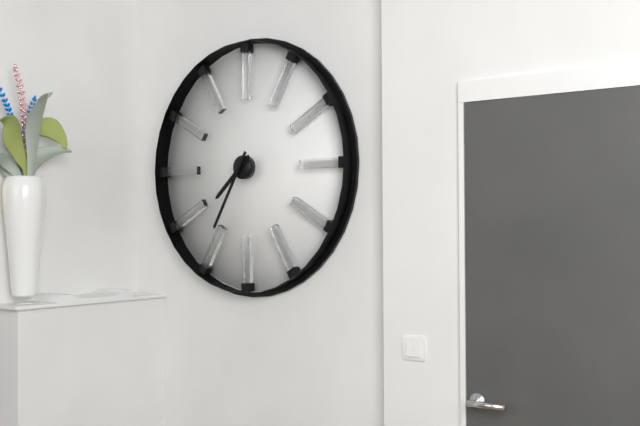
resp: 7,35
